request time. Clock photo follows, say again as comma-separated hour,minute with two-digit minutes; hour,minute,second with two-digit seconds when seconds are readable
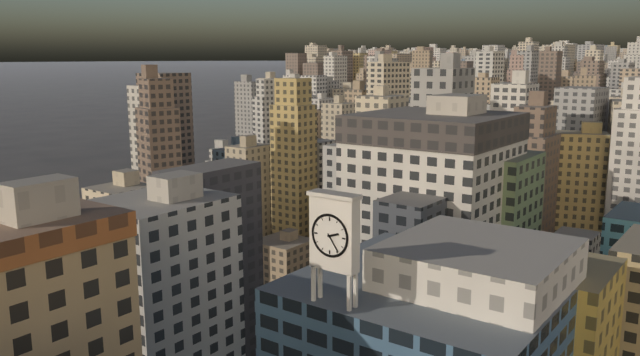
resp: 2,24
